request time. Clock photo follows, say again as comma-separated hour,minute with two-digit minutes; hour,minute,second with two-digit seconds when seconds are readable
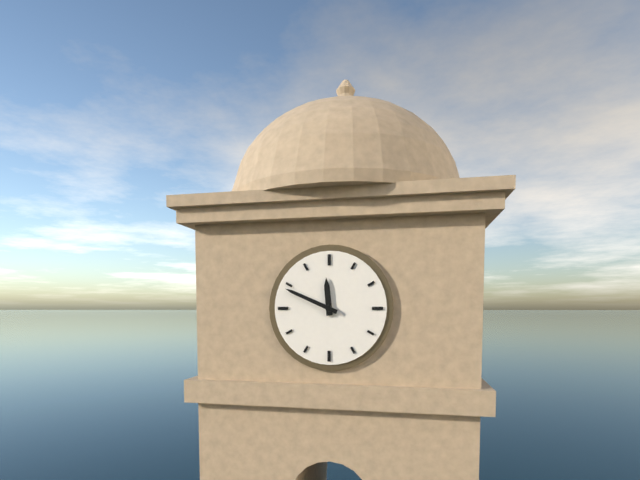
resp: 11,49
